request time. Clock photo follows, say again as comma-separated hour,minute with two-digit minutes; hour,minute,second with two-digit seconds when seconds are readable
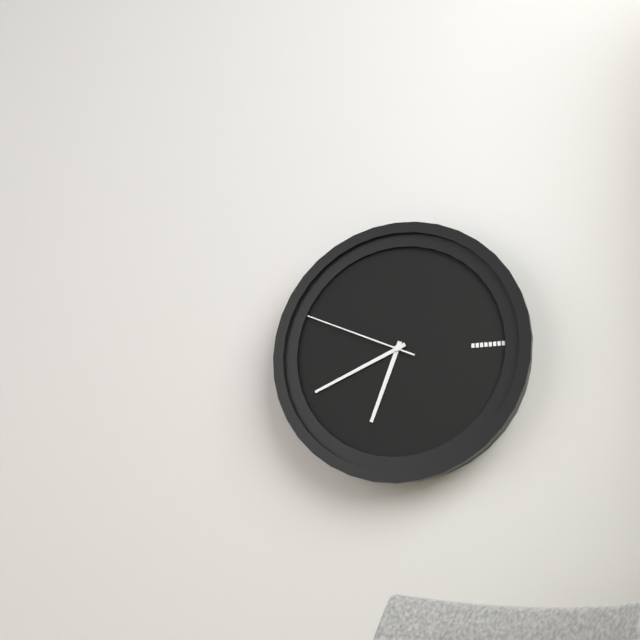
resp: 6,41,49
